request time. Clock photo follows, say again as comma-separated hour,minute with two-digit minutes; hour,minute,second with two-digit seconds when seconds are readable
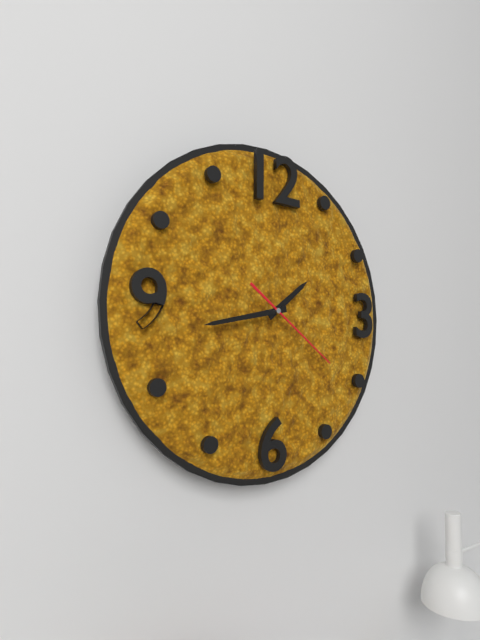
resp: 1,43,21
